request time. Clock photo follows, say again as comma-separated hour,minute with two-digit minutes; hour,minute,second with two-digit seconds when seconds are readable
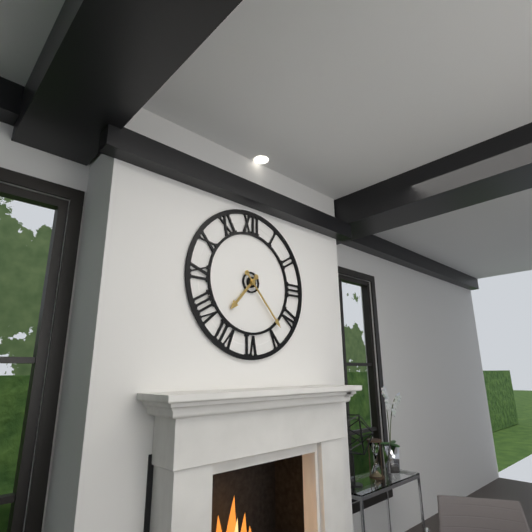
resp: 7,23
